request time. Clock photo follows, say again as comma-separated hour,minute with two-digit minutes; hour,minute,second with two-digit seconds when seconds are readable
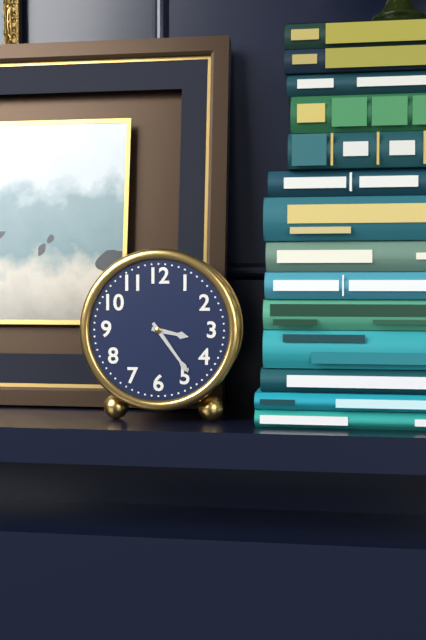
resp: 3,24
